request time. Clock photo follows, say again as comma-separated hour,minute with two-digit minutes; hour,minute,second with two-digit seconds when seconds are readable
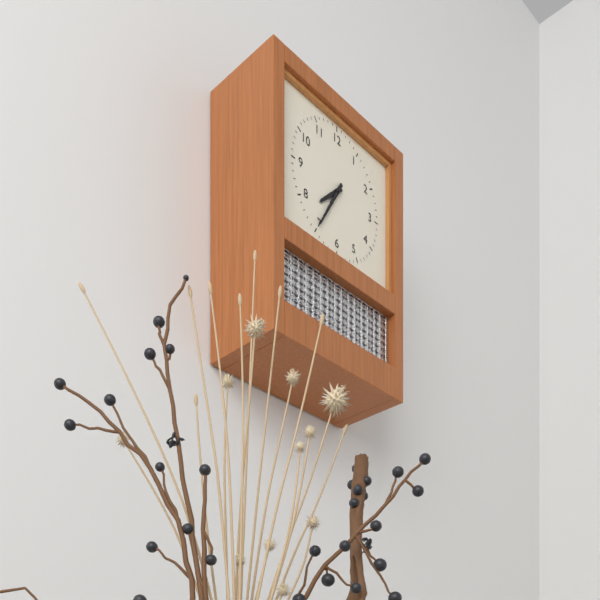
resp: 7,35
